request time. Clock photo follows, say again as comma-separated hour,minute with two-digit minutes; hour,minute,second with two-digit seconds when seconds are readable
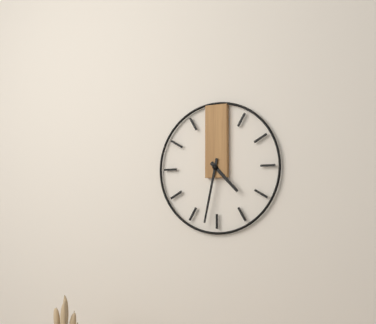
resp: 4,32
